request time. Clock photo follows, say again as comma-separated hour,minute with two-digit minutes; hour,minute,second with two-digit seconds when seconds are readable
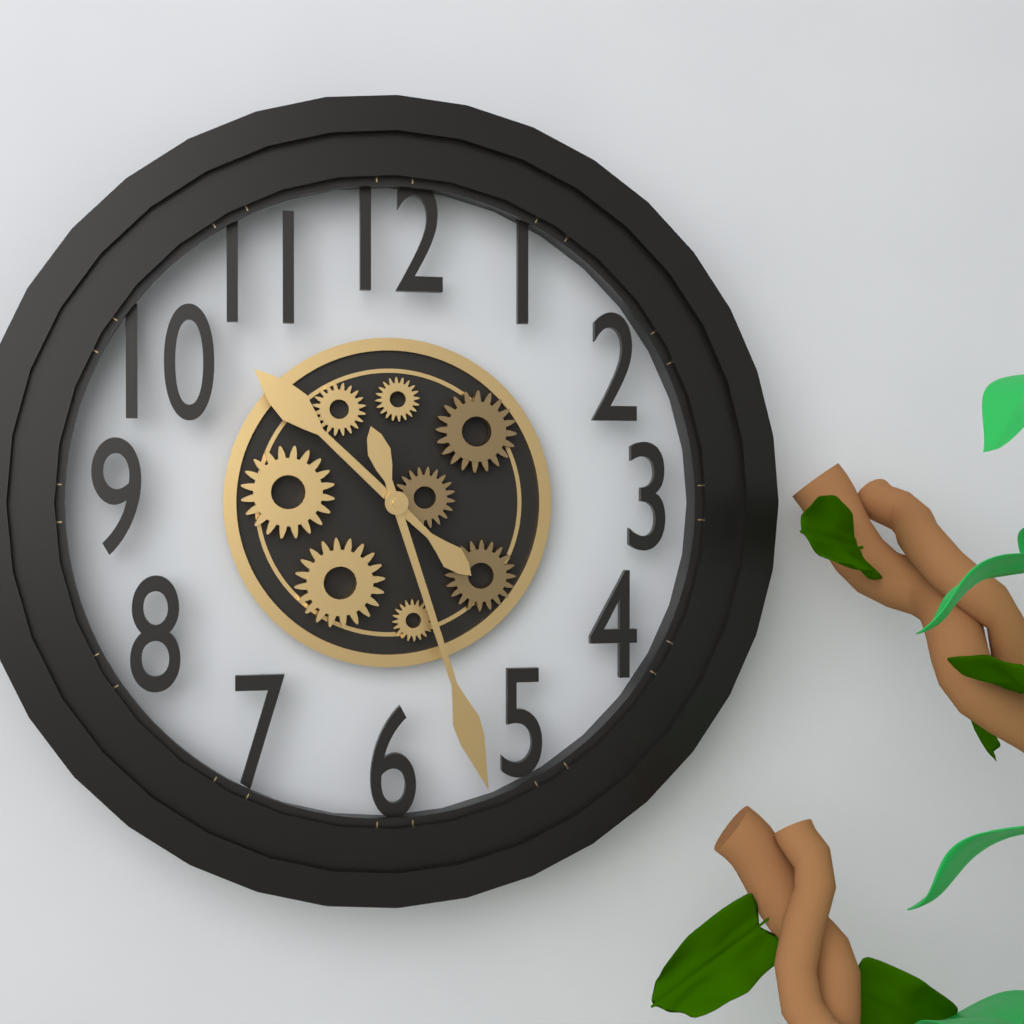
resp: 10,27
